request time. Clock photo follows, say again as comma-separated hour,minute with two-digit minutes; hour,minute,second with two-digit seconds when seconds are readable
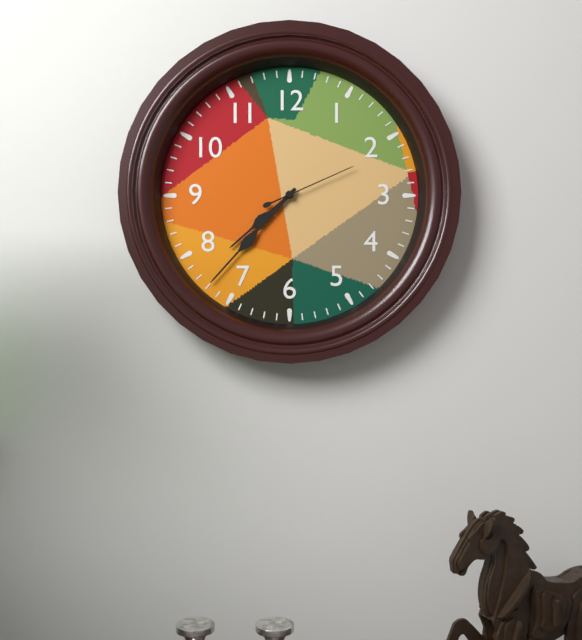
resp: 7,37,11
